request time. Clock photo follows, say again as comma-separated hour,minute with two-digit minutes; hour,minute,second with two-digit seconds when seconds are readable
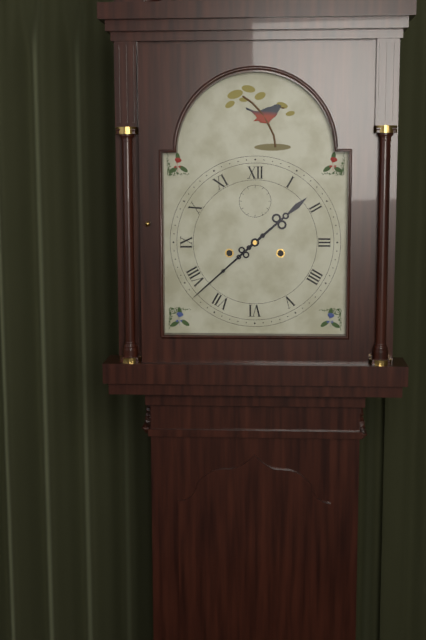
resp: 1,38
